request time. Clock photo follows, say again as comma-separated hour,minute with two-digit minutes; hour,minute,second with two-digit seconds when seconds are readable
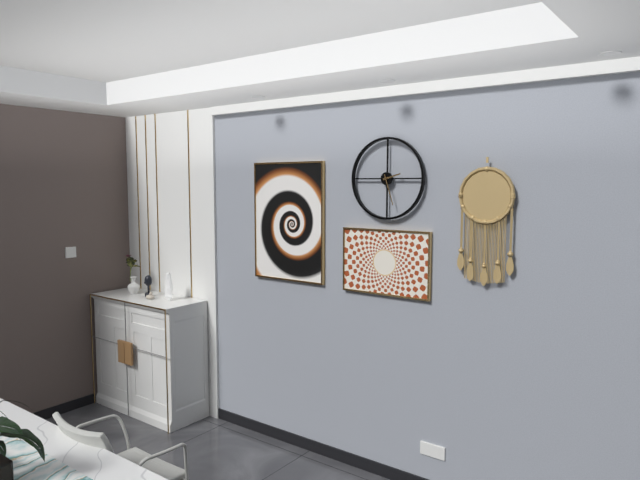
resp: 2,27
